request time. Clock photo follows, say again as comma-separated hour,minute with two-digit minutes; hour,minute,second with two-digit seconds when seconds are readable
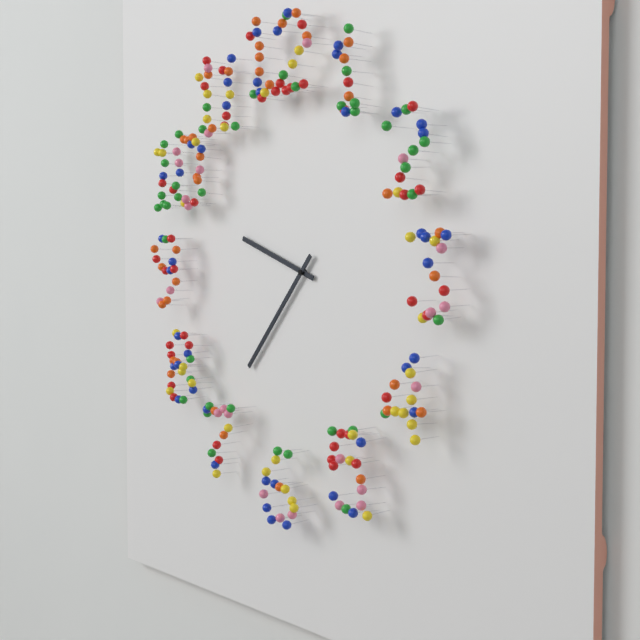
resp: 9,37
